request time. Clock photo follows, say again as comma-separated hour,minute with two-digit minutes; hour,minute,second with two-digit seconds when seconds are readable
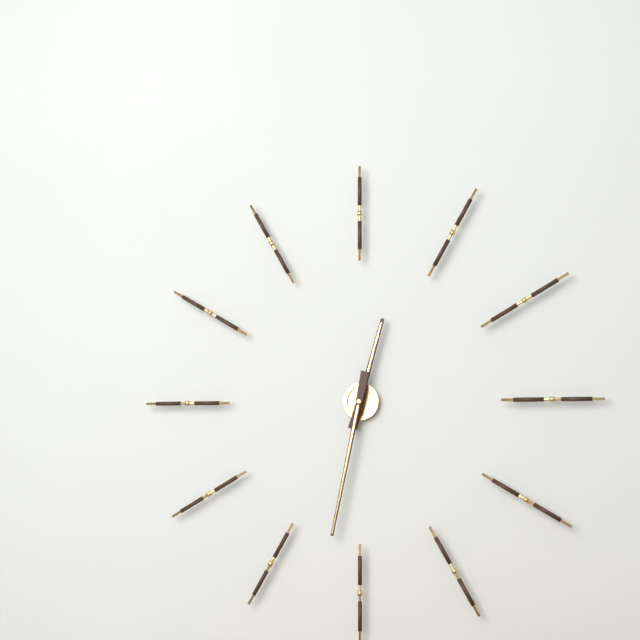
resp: 12,32
